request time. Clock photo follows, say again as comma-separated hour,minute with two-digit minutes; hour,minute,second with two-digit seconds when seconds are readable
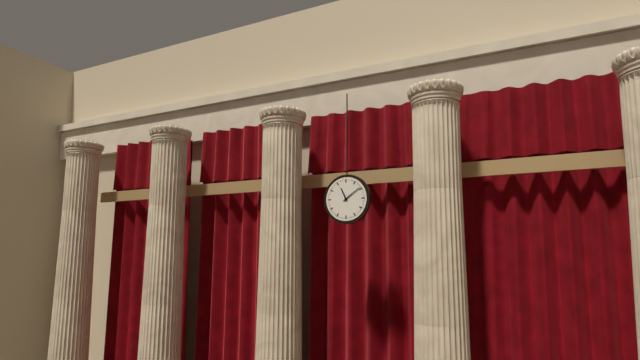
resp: 11,09
